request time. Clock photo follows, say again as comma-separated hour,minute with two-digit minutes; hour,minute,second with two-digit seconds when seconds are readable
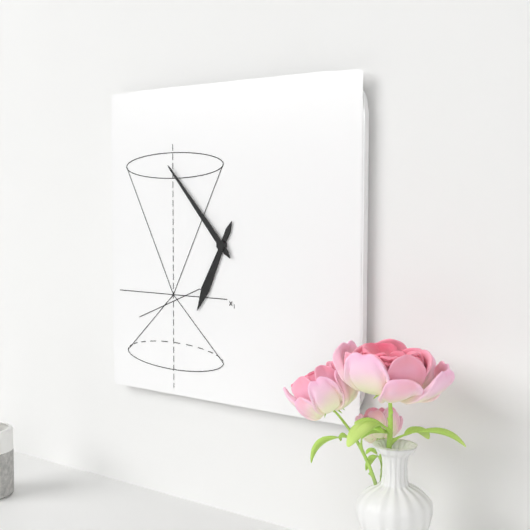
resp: 6,53
